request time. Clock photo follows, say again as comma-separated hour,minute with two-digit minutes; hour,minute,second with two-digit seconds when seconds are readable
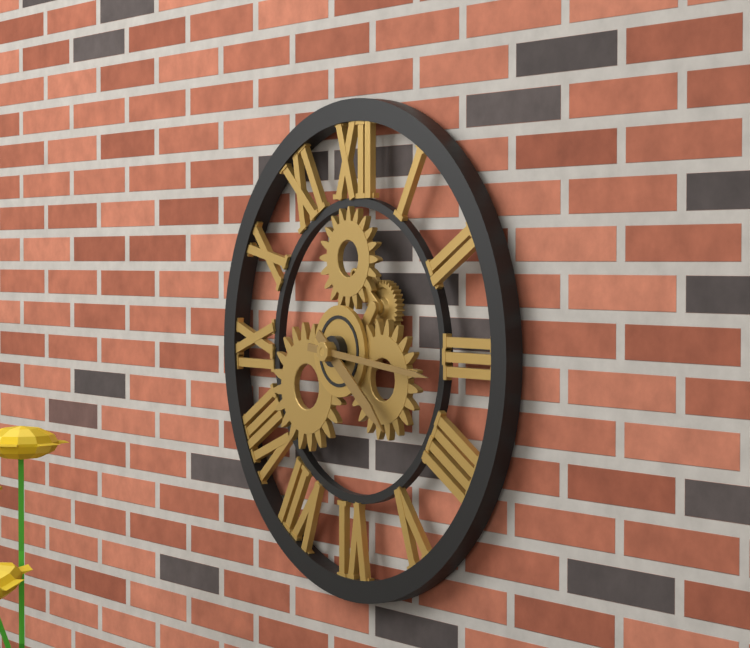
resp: 4,16
